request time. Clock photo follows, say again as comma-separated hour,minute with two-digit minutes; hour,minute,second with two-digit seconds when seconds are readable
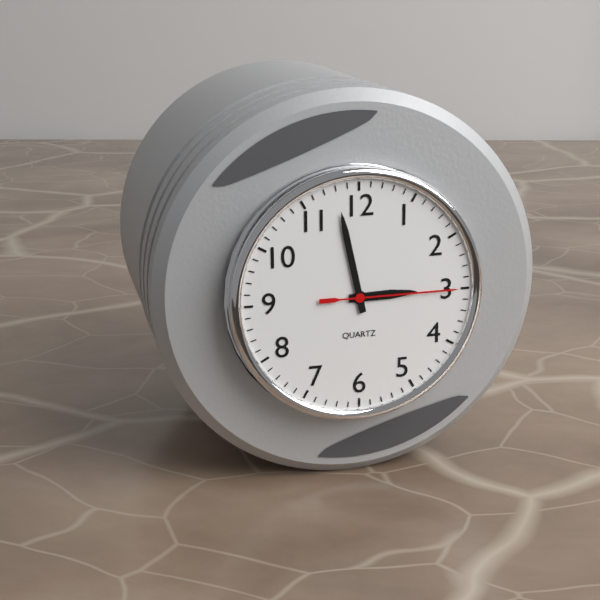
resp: 2,58,15
